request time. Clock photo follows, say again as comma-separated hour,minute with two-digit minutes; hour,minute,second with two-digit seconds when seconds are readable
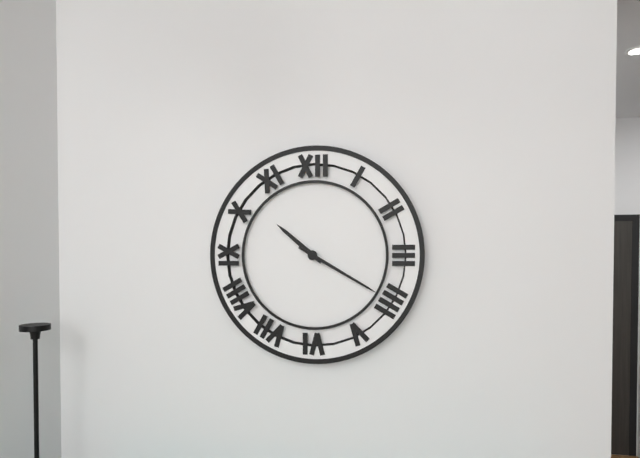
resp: 10,20
